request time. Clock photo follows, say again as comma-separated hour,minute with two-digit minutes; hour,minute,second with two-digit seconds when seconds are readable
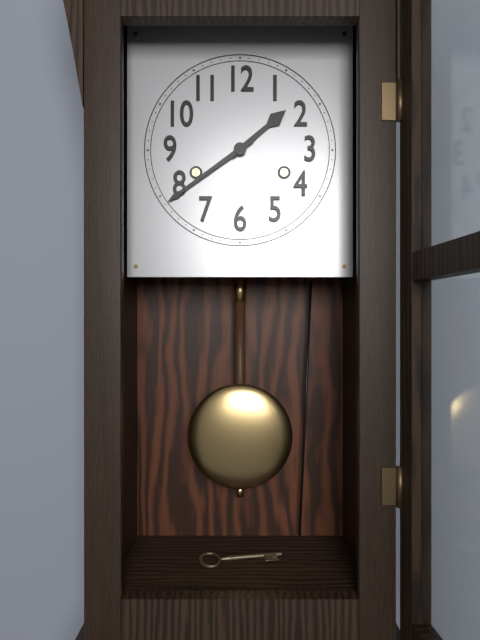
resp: 1,39
